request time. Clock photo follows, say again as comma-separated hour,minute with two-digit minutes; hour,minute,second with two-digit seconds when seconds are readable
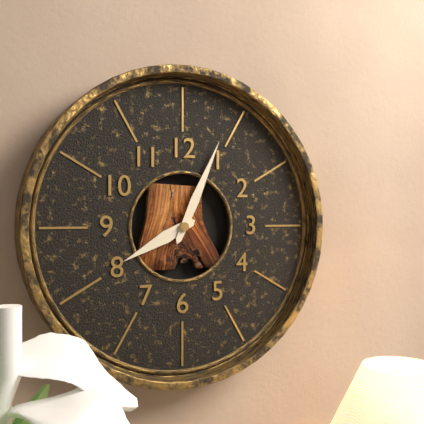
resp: 8,04
